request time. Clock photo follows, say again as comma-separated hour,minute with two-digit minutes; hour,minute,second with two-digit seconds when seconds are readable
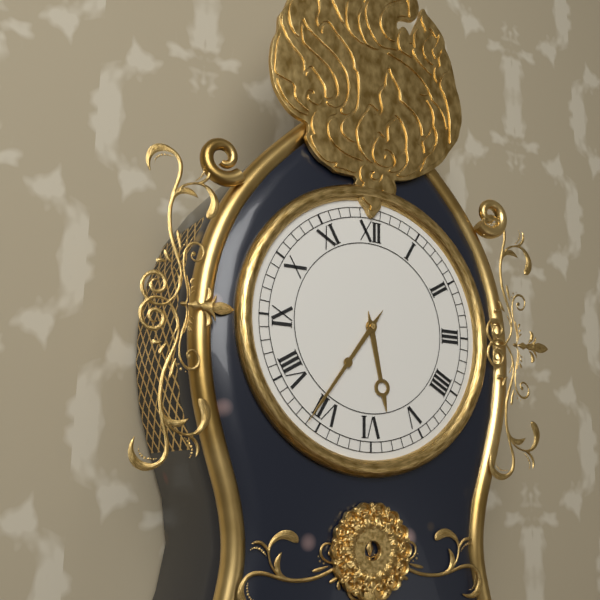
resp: 5,36
